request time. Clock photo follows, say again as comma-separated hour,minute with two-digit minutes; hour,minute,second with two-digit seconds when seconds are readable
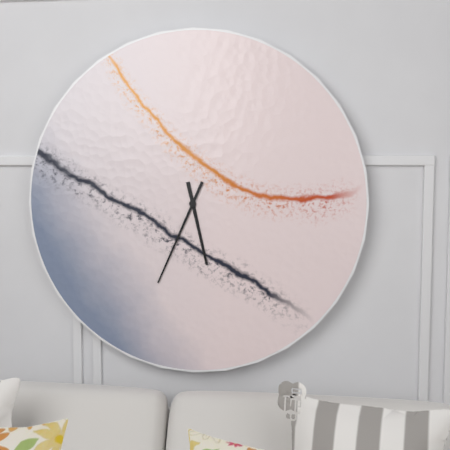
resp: 5,34
